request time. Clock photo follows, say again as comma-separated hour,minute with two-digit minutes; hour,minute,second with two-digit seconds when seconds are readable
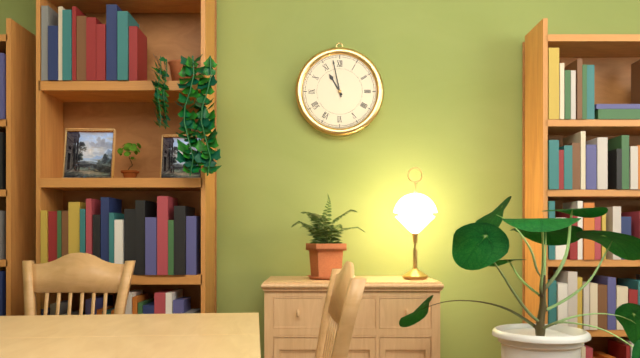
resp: 10,58
